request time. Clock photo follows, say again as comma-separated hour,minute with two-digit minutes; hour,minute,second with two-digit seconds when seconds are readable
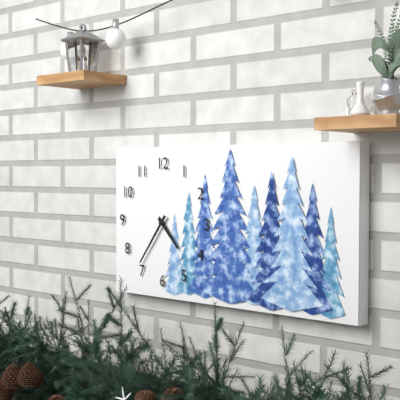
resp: 4,36
